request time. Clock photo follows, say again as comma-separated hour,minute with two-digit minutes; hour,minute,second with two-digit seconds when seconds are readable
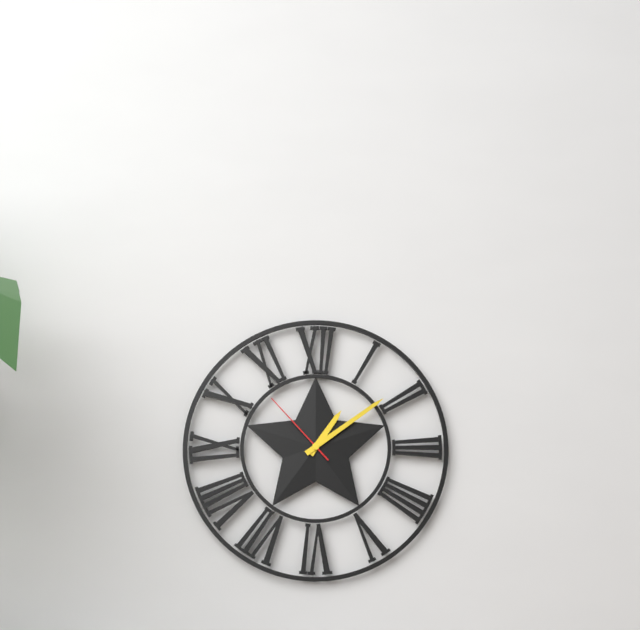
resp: 1,09,53
